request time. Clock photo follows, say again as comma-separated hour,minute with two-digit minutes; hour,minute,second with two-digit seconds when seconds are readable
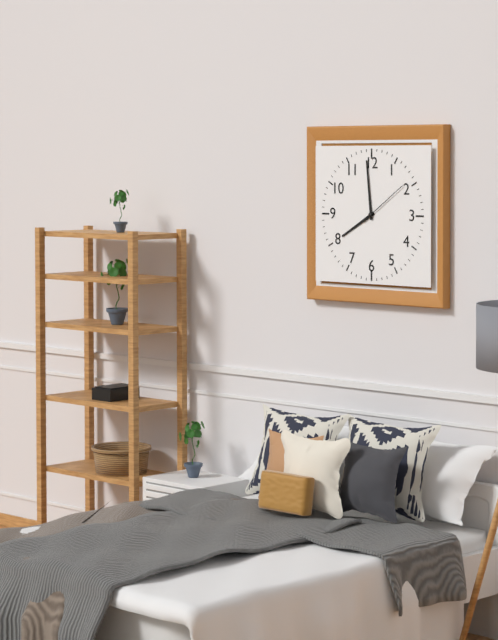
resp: 7,59,09
